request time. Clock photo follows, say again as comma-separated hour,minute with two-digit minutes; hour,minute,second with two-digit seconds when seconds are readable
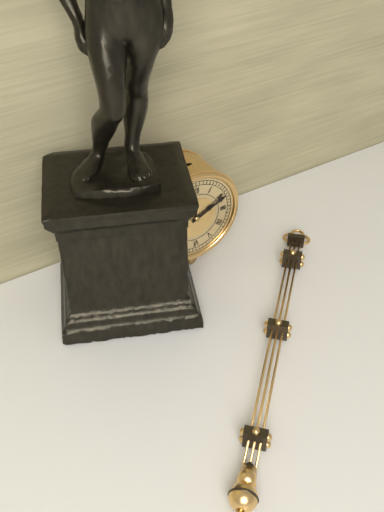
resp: 2,11
